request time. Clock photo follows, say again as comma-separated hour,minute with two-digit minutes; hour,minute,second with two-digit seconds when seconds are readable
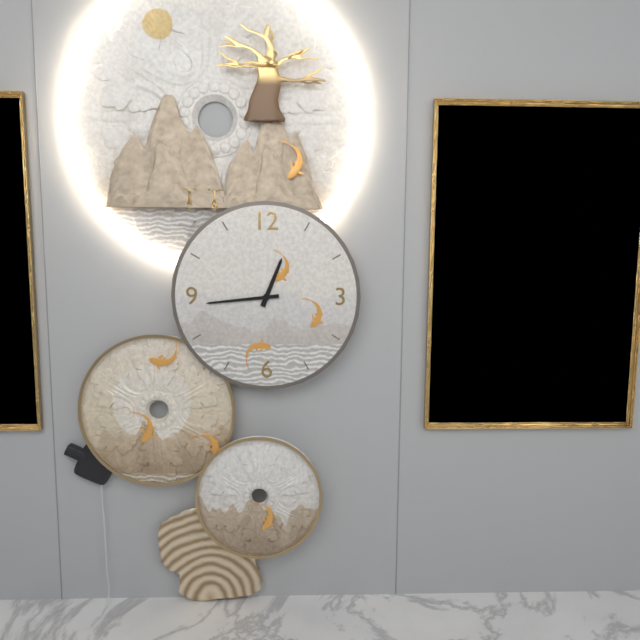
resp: 12,44
